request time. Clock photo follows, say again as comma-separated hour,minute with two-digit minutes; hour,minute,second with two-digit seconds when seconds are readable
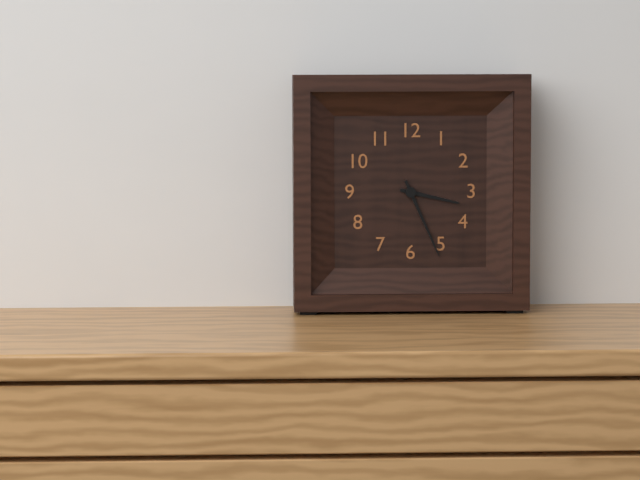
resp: 3,26
